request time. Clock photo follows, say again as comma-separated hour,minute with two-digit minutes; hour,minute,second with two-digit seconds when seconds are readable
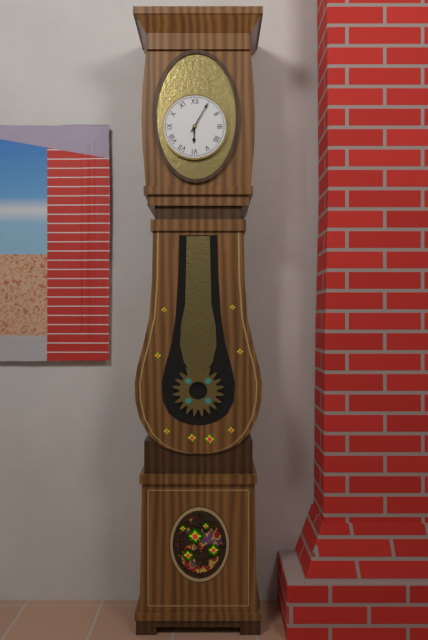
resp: 6,05
